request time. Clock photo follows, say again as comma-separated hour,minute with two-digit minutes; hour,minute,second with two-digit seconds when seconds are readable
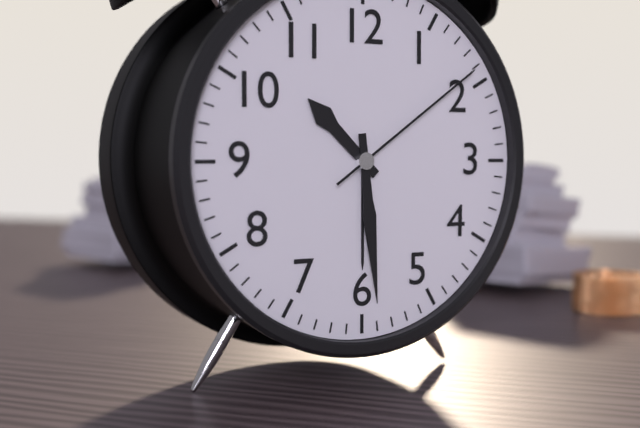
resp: 10,29,09
